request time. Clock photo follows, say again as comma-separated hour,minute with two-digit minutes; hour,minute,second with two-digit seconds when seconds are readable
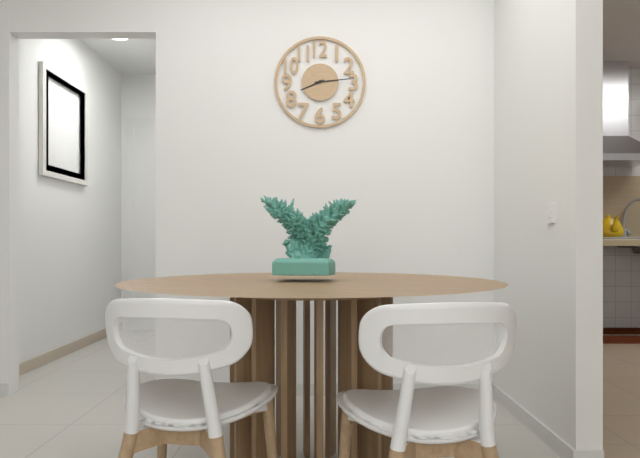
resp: 8,14
